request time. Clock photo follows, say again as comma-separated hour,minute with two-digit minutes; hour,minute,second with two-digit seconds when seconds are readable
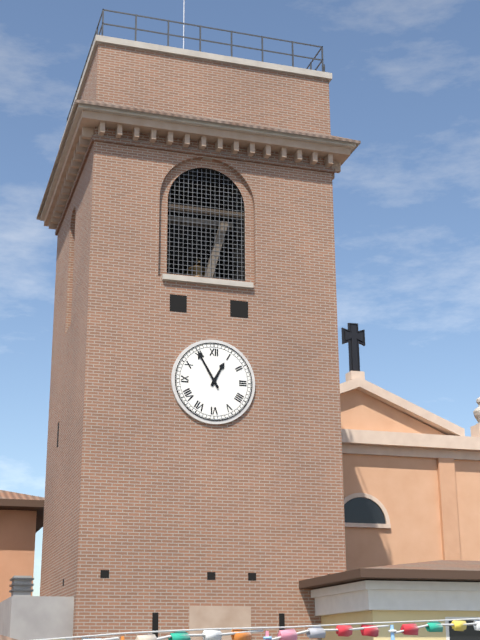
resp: 12,55
